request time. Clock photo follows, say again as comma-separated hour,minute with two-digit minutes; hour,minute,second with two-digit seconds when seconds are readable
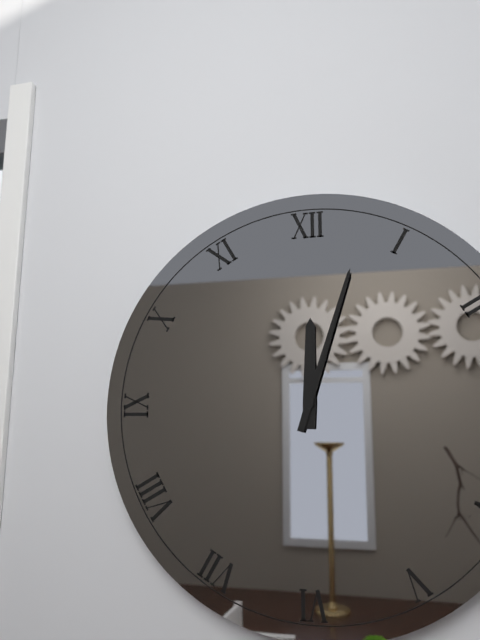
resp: 12,03
